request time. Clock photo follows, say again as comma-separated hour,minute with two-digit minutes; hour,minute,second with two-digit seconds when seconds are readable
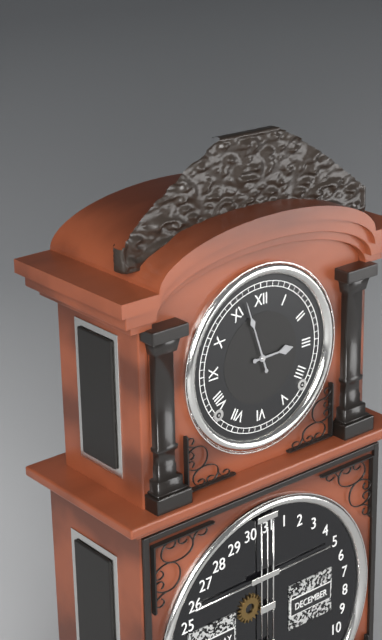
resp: 2,57
